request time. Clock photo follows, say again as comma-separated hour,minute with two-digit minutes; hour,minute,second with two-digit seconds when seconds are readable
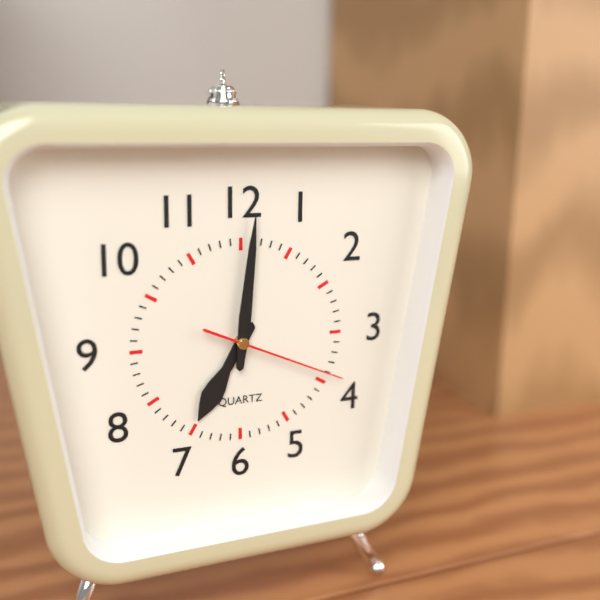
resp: 7,01,19
